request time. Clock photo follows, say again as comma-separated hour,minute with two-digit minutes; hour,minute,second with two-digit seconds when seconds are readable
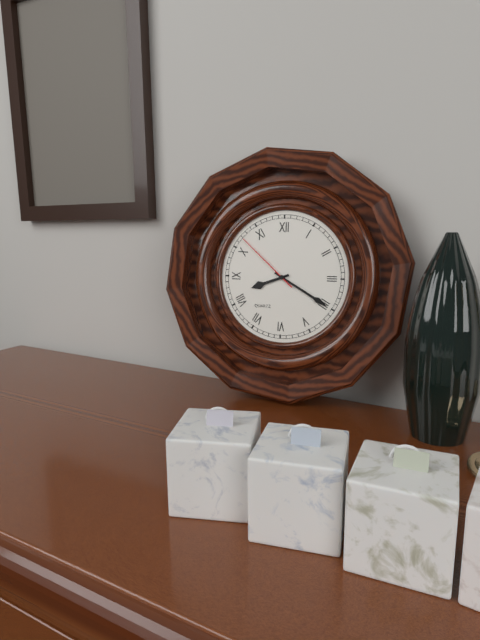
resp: 8,20,52
